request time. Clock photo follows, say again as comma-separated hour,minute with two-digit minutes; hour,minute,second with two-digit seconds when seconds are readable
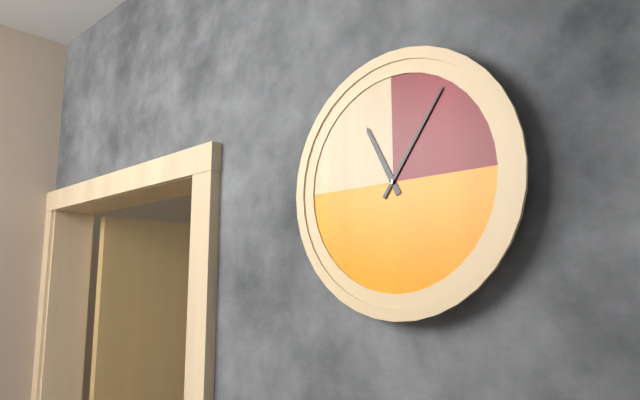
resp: 11,06
